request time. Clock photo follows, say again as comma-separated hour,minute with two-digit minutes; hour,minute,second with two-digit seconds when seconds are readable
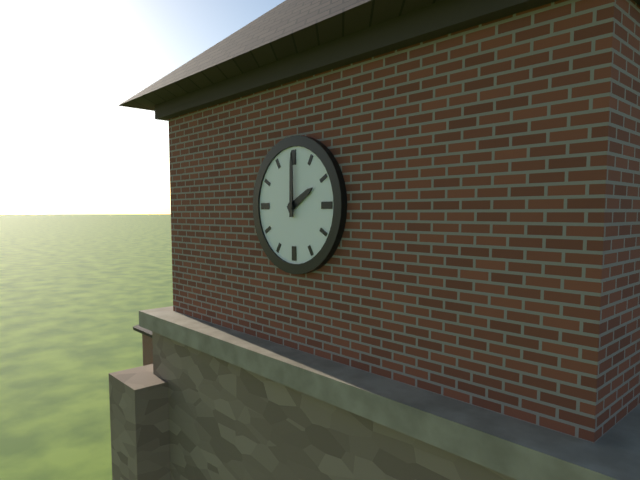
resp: 2,00
